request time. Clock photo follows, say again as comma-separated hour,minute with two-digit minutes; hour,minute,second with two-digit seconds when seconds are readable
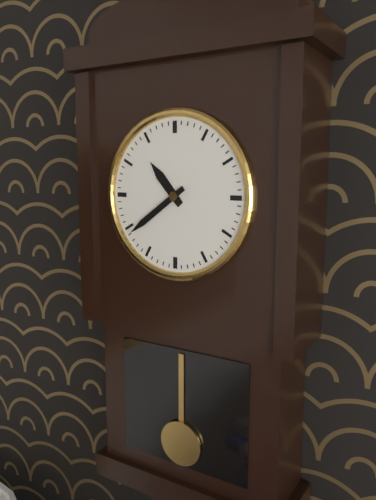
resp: 10,39
